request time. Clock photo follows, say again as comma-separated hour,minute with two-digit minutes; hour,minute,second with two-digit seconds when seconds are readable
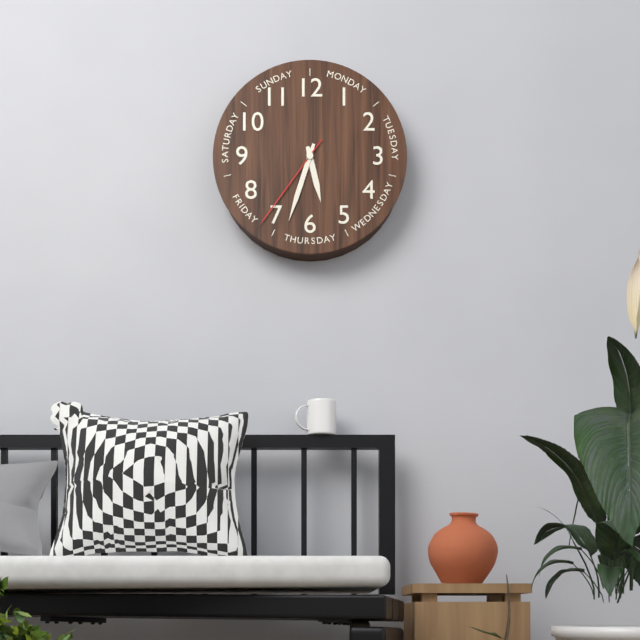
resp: 5,33,36
